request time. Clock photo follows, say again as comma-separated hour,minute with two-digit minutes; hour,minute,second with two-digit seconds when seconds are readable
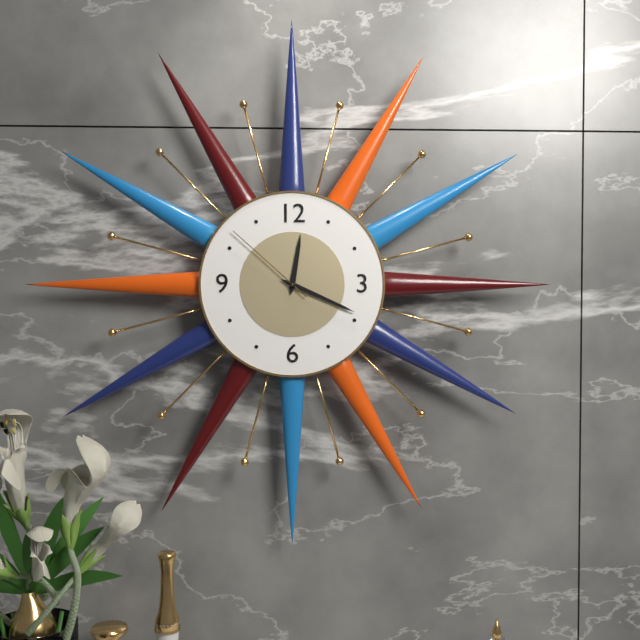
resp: 12,19,52
